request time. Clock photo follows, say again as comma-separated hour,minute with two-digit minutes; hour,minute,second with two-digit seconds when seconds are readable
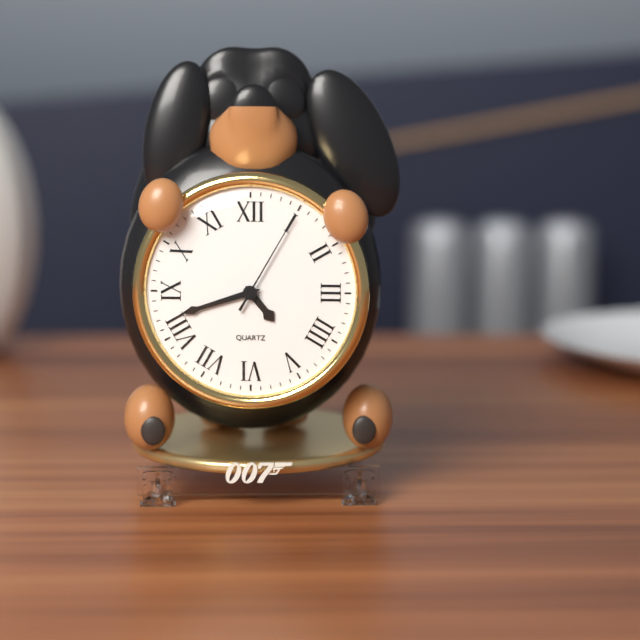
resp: 4,42,05
